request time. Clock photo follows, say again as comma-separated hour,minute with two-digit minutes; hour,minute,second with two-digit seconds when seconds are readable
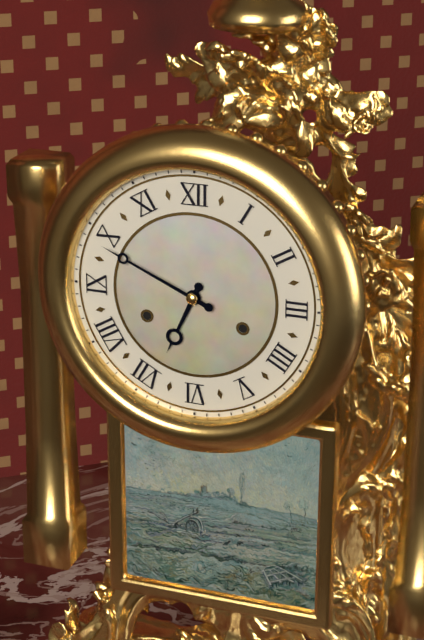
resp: 6,49
